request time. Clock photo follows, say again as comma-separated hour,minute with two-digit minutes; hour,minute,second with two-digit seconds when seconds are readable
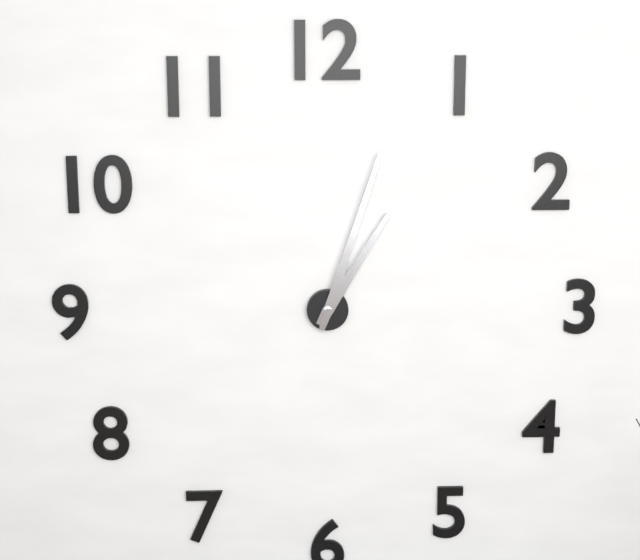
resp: 1,03
